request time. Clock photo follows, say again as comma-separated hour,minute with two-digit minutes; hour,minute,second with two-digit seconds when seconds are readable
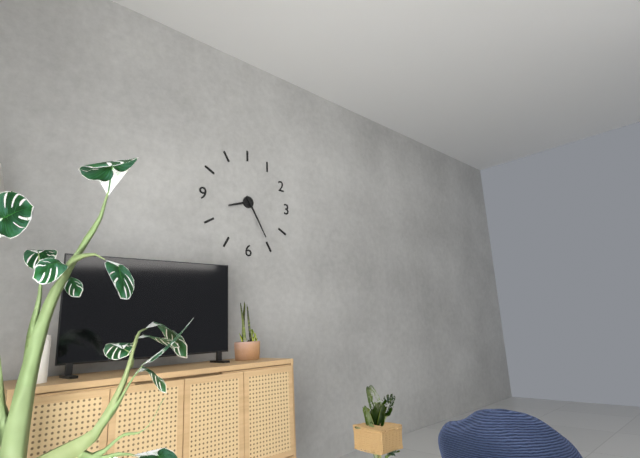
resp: 8,25
